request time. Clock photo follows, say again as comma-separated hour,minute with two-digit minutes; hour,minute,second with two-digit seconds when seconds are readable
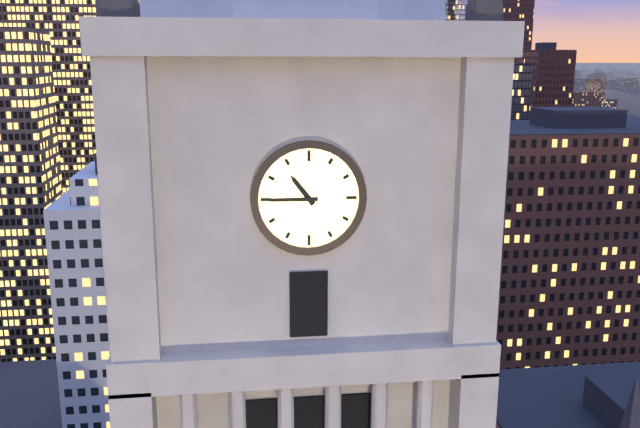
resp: 10,45
